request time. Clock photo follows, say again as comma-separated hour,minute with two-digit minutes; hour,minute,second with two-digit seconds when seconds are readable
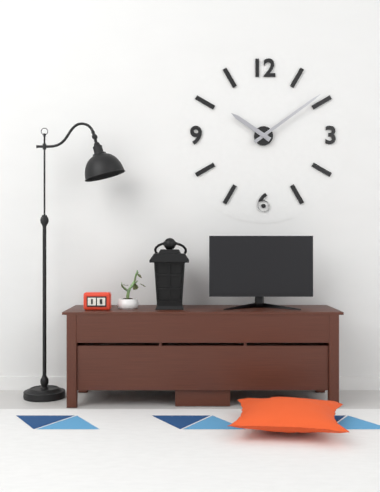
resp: 10,09
